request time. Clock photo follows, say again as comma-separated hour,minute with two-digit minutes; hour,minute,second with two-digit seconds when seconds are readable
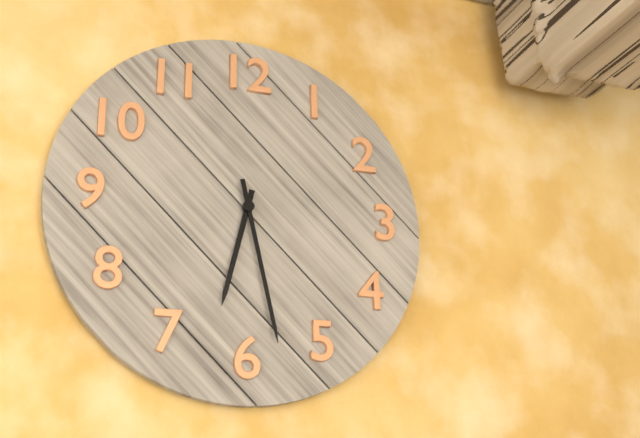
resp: 6,28
